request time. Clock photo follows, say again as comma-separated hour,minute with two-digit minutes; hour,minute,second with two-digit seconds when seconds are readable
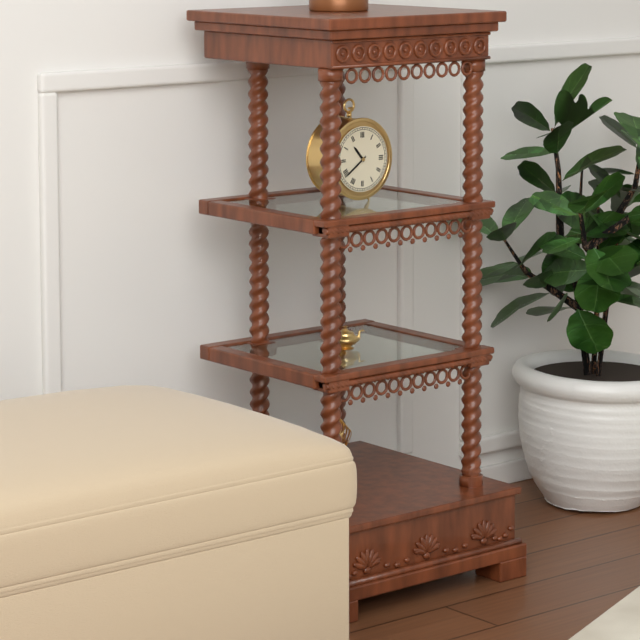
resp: 10,39
